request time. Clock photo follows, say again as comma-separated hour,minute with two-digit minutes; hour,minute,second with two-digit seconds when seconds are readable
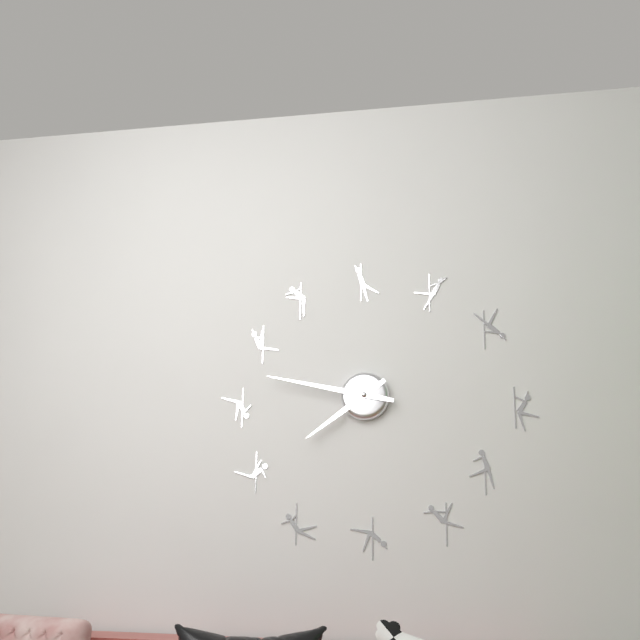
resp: 7,47
